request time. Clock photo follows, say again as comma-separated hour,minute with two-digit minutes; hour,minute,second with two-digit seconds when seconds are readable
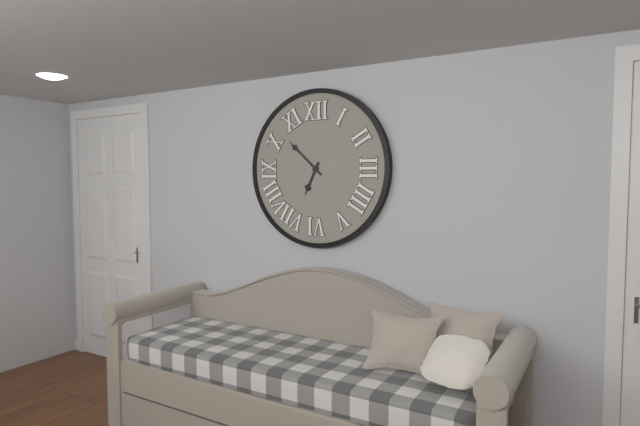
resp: 6,52
